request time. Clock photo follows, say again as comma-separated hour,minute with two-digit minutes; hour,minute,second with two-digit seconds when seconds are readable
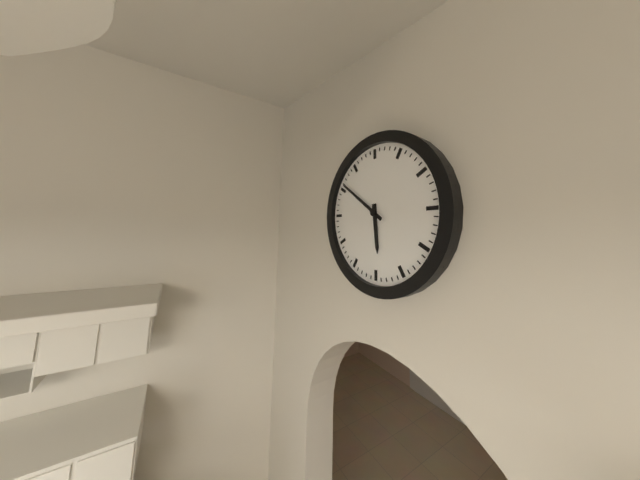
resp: 5,51
